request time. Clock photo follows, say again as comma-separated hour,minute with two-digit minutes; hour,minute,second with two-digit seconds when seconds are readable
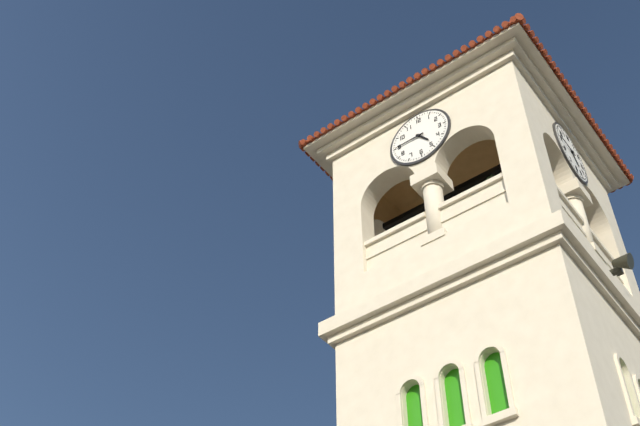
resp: 4,45
